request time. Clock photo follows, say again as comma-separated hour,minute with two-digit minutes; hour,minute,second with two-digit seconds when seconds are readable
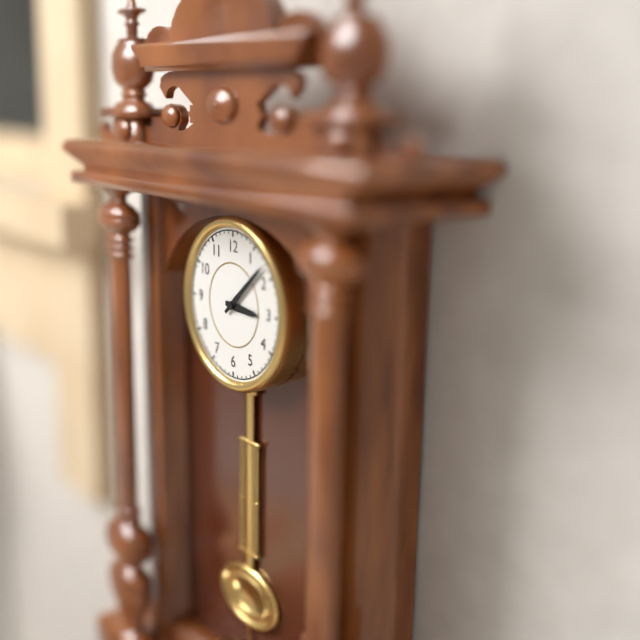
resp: 3,08
